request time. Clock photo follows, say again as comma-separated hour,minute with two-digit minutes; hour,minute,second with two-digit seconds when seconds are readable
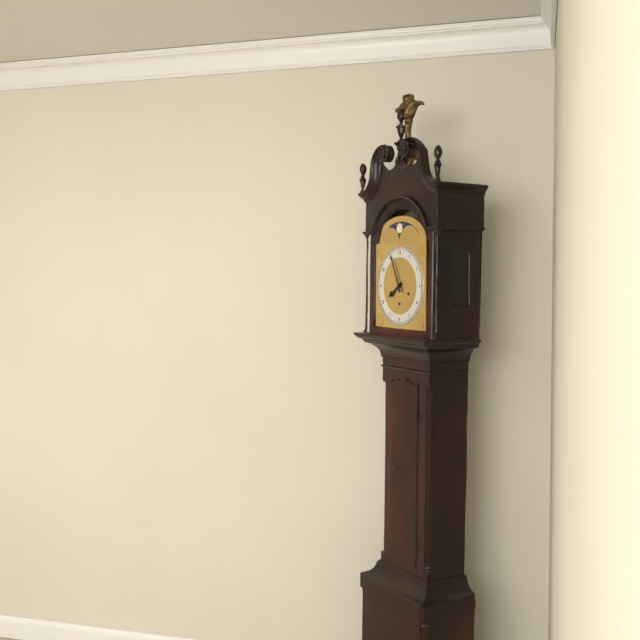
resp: 7,56
